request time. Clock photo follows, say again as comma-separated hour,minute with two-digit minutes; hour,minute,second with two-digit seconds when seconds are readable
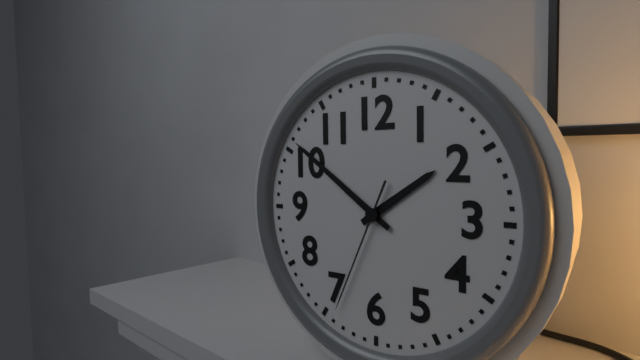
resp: 1,51,34
